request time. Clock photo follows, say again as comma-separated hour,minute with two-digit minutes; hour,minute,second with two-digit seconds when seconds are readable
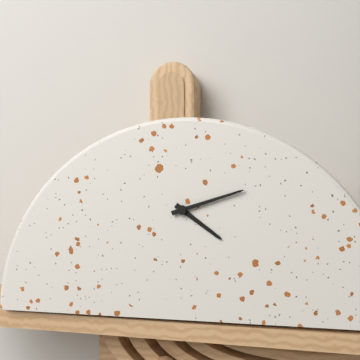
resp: 4,12
